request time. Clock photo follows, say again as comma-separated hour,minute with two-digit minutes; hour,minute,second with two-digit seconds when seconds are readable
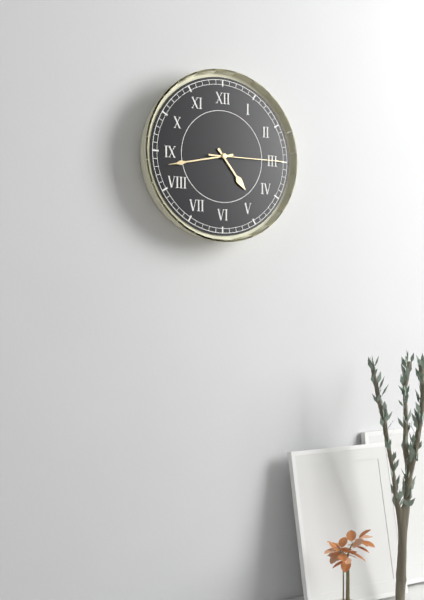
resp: 4,43,15
